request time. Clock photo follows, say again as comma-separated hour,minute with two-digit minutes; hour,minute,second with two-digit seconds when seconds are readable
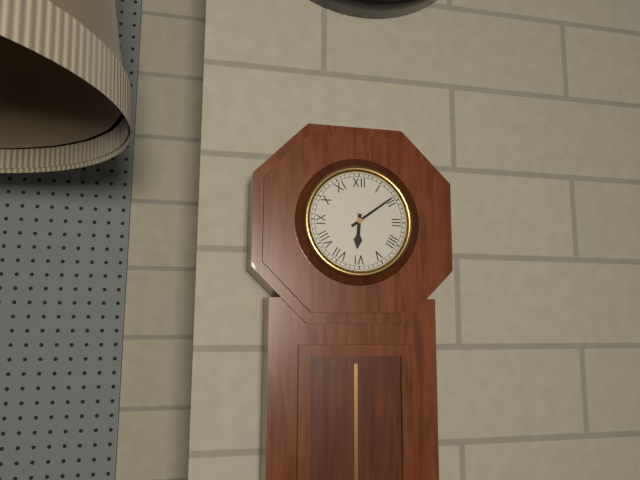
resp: 6,09
